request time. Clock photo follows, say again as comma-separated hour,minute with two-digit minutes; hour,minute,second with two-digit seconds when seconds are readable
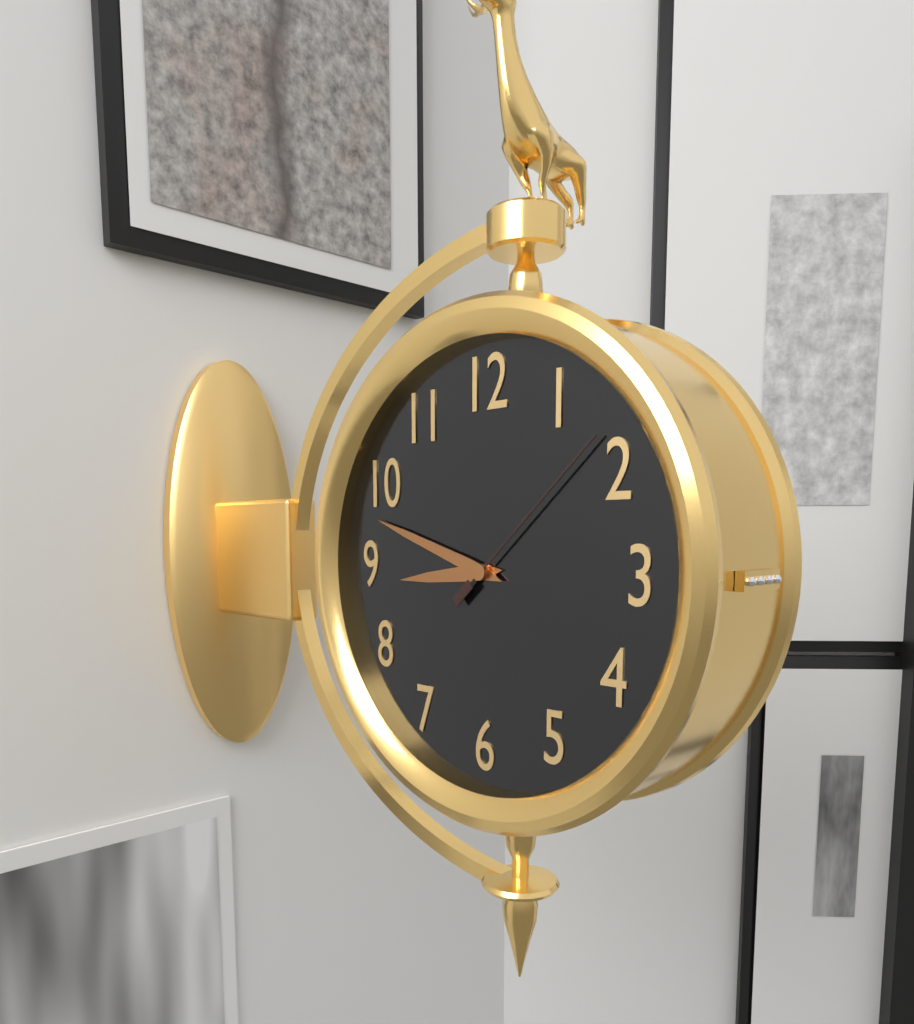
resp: 8,48,08
